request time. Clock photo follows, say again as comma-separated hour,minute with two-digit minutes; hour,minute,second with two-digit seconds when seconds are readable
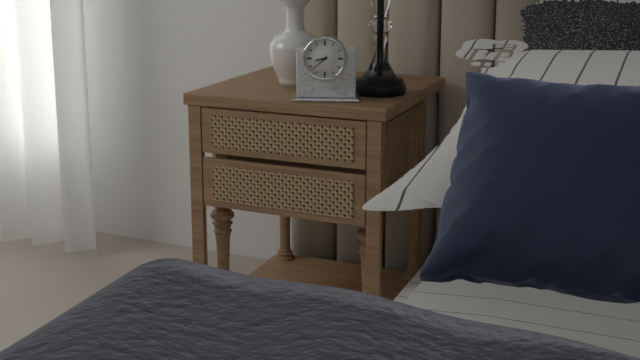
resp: 8,38
